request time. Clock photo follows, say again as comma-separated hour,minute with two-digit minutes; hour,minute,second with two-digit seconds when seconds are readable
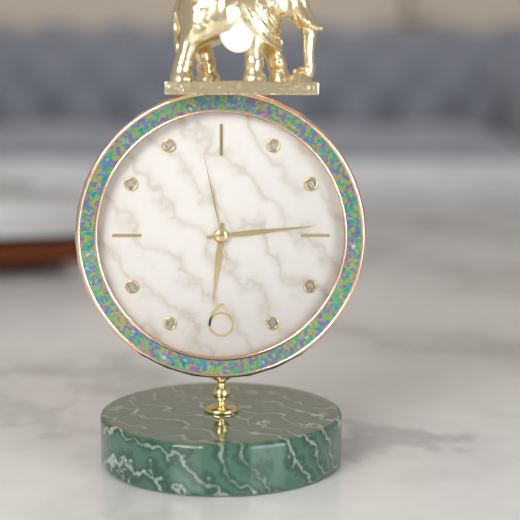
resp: 6,14,58
